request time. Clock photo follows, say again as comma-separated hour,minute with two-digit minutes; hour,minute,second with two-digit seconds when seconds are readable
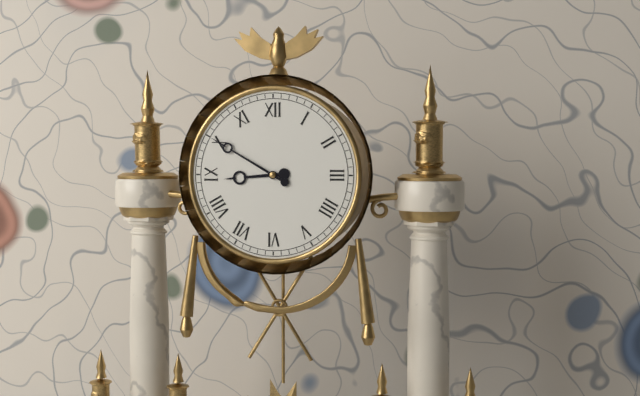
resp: 8,50
